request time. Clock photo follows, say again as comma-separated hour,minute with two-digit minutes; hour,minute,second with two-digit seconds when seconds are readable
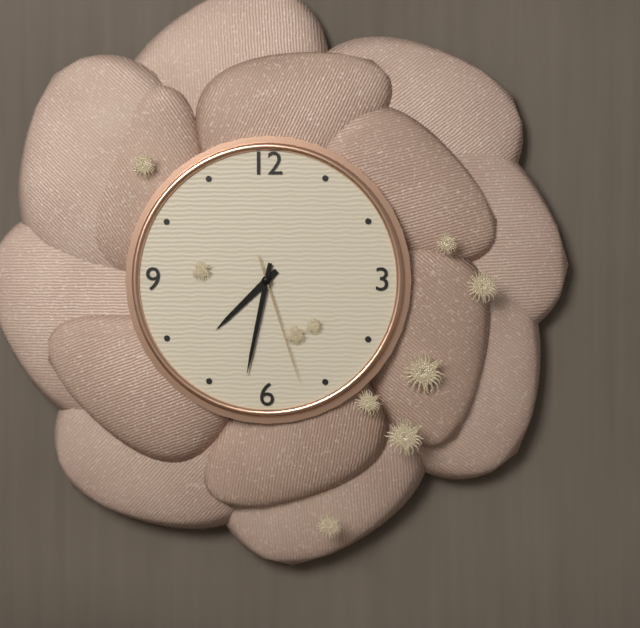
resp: 7,32,27
